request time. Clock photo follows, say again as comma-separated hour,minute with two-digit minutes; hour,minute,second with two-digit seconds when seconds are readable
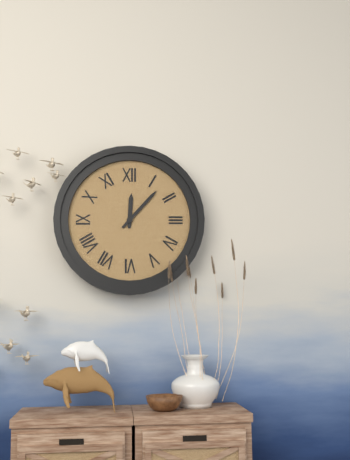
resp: 12,07
